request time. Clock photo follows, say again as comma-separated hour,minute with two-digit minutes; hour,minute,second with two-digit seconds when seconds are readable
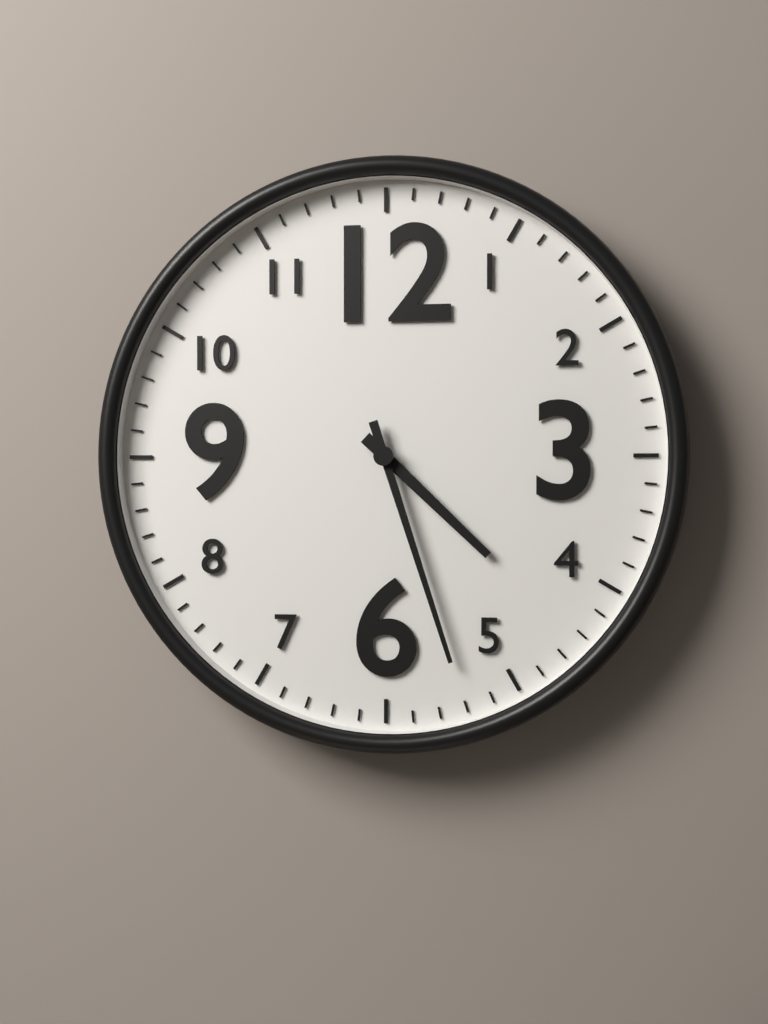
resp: 4,27
